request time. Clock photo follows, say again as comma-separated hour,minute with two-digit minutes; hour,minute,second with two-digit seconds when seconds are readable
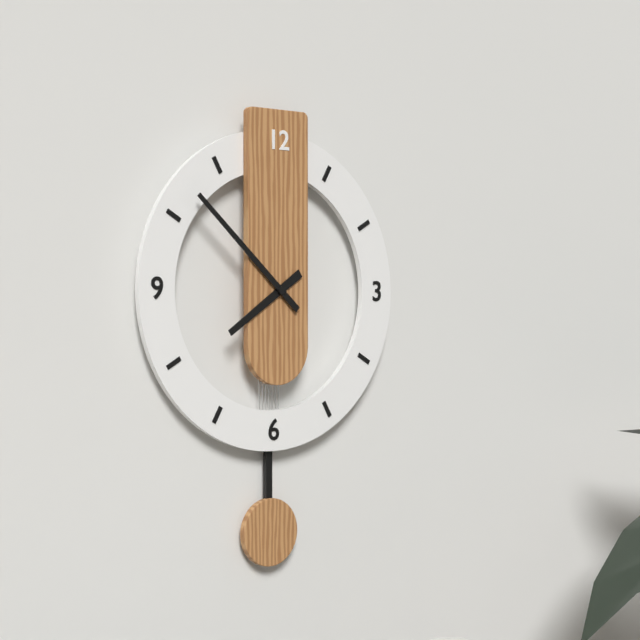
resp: 7,52
